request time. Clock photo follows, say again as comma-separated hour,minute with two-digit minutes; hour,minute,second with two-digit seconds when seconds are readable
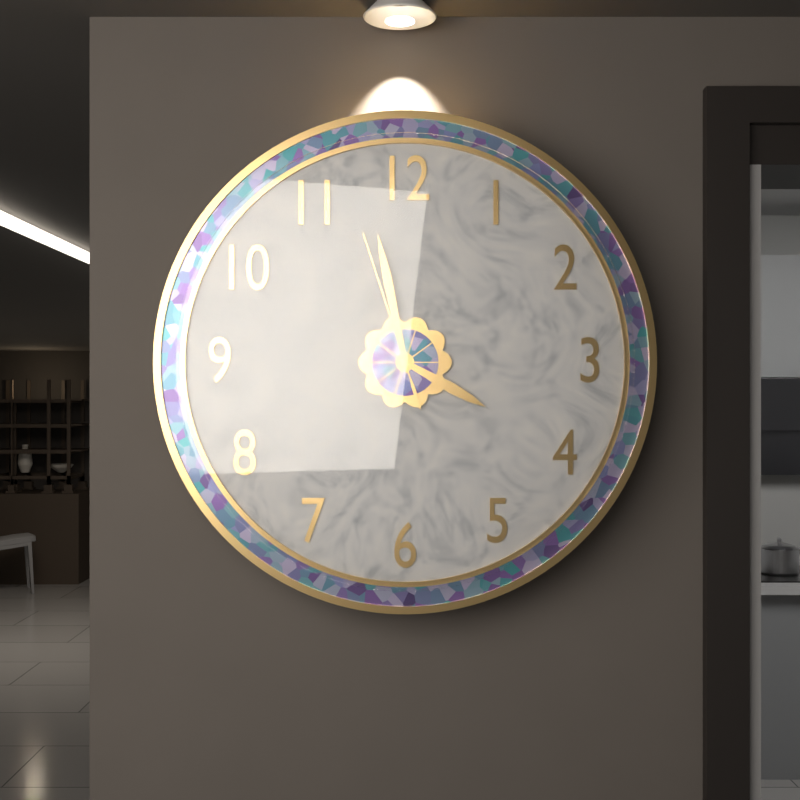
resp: 3,58,57
